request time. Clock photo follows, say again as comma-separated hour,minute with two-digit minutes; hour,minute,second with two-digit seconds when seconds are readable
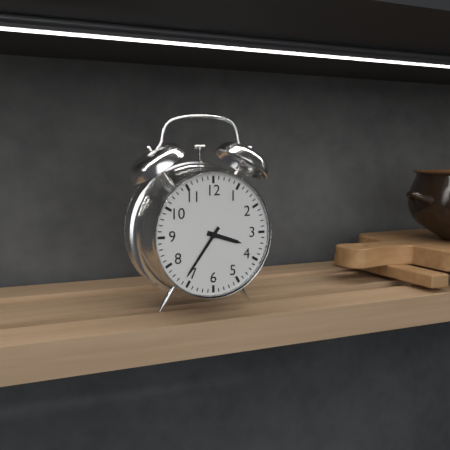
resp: 3,36
